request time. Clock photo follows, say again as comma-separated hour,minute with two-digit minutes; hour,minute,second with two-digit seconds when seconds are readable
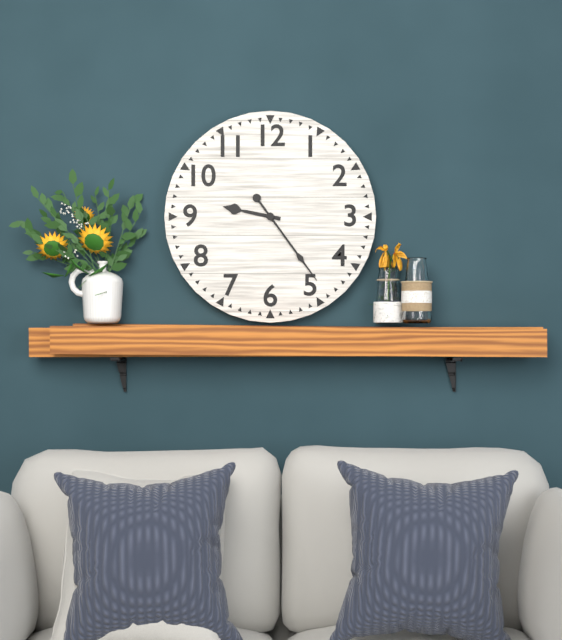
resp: 9,24
